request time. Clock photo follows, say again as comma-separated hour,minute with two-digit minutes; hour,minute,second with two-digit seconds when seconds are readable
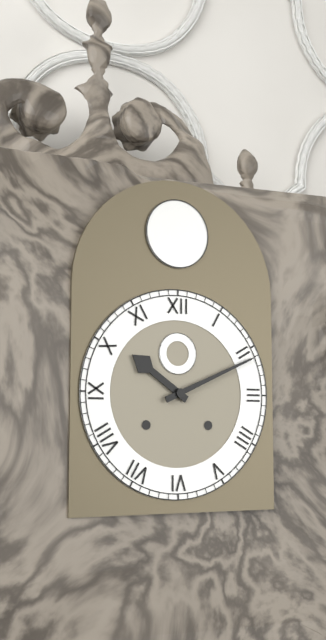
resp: 10,11
